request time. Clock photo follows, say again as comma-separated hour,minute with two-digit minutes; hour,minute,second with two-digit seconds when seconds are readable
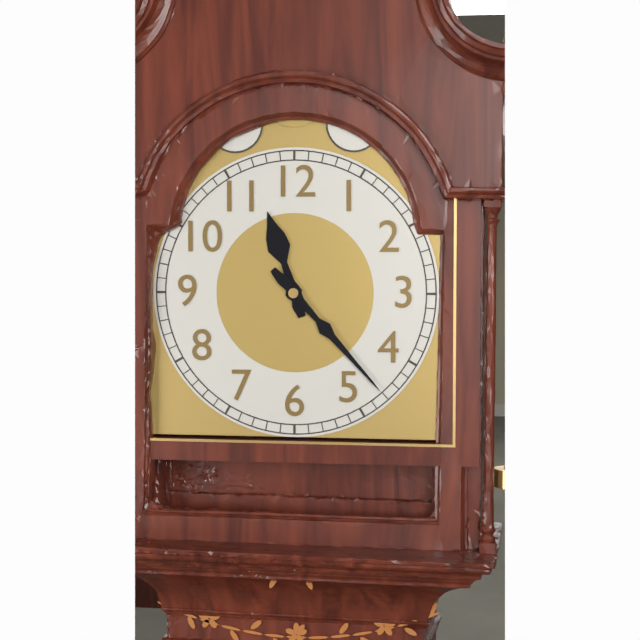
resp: 11,23
